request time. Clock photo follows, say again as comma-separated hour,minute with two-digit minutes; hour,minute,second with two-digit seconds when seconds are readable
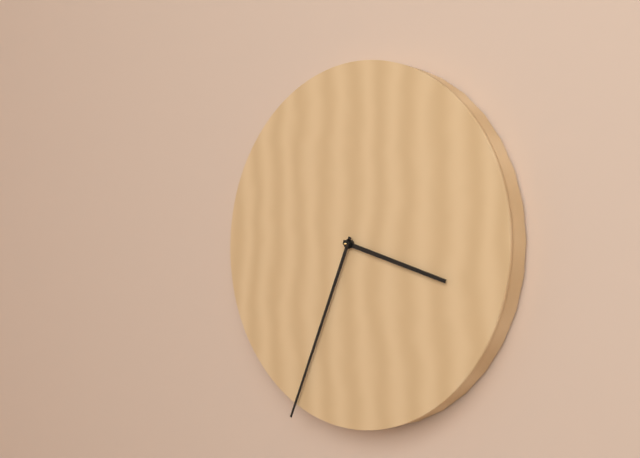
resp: 3,34
